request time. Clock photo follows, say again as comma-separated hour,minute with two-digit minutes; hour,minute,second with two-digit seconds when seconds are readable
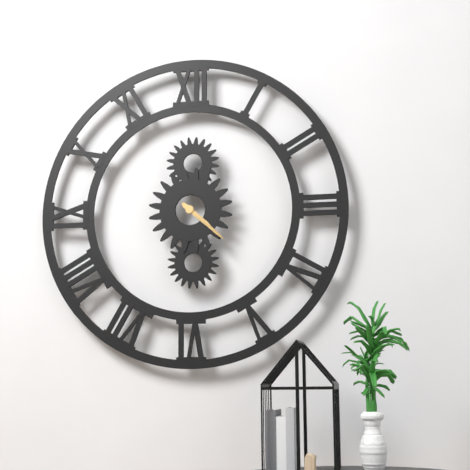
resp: 4,22
